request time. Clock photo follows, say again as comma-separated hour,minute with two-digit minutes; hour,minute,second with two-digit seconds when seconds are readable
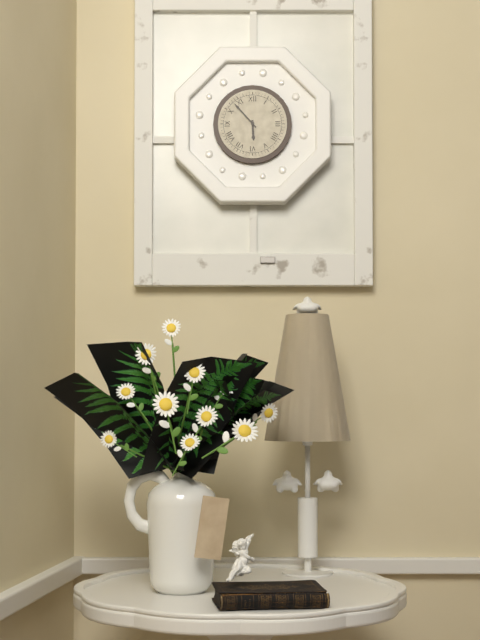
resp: 5,53
